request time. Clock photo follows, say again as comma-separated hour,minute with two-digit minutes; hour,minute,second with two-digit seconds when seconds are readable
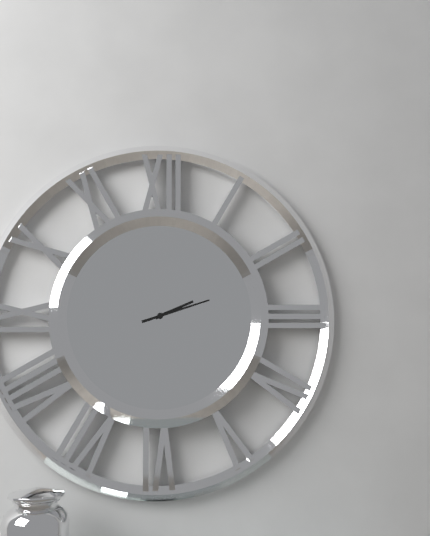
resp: 2,12
